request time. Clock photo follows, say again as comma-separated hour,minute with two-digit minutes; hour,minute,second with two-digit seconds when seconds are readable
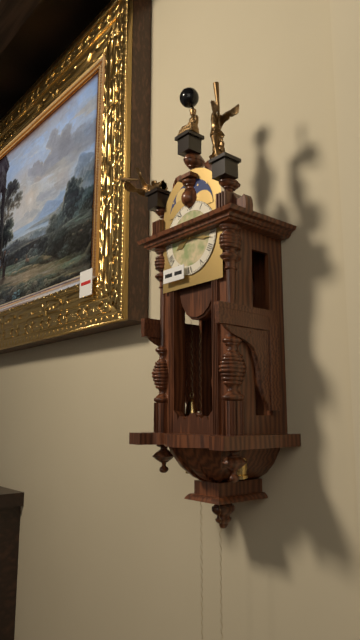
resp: 8,17
